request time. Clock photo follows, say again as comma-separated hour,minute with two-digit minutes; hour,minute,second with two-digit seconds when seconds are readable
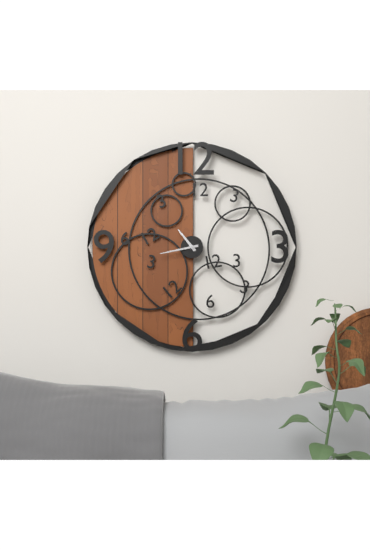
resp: 10,43
